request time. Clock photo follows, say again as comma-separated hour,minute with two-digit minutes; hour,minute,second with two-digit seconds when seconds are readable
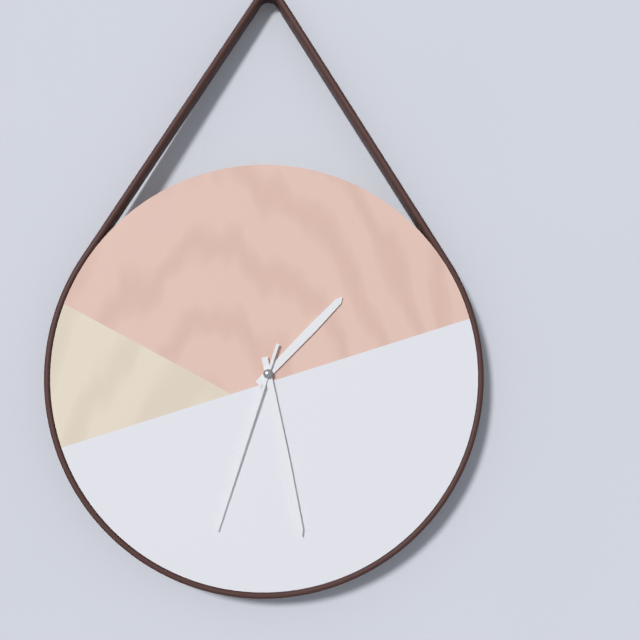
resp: 1,28,33
